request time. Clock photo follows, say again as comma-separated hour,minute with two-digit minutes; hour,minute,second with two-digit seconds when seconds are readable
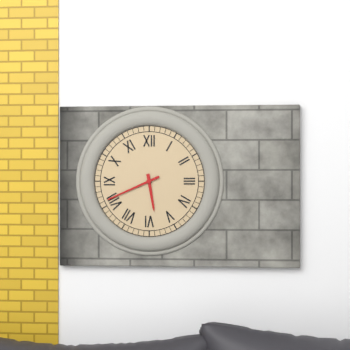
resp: 5,41
